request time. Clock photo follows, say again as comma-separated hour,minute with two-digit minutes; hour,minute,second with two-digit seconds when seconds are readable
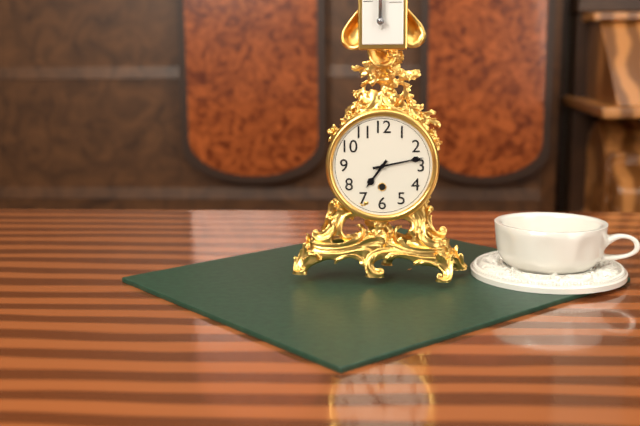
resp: 7,13
